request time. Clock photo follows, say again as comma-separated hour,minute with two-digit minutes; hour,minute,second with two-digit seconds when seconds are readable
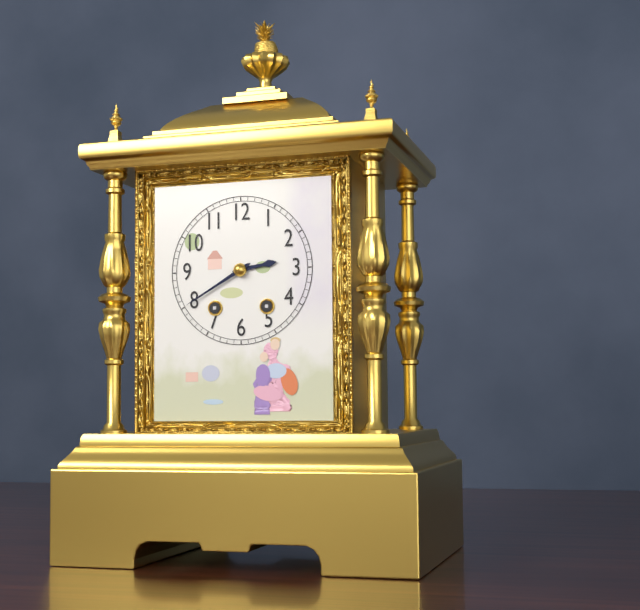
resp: 2,40
